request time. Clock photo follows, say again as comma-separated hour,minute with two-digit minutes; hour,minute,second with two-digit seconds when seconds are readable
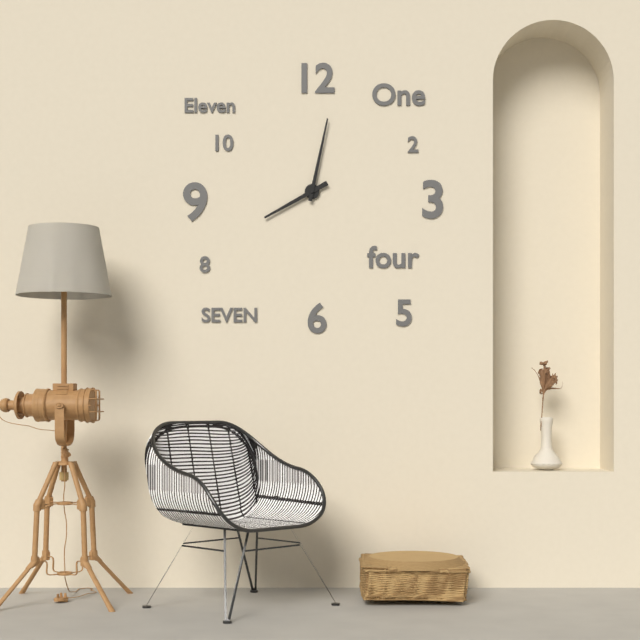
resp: 8,02
